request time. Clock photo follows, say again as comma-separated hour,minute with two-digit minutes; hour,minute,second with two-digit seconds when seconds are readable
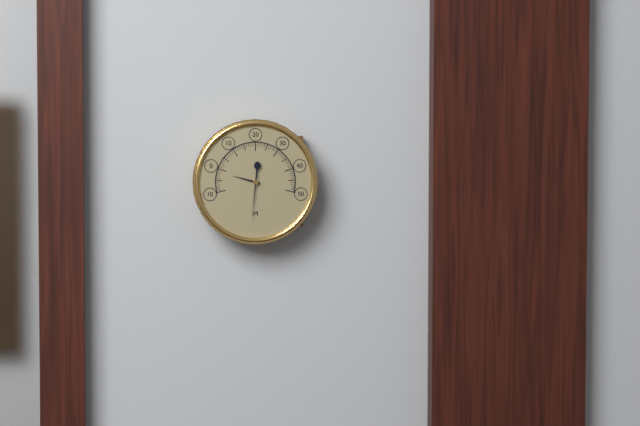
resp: 9,31
